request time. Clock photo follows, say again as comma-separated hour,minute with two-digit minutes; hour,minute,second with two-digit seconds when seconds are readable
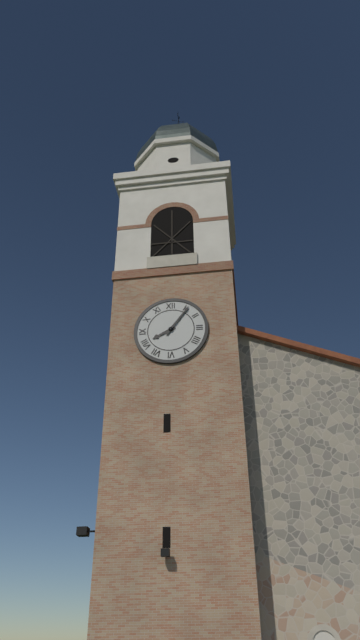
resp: 8,06
